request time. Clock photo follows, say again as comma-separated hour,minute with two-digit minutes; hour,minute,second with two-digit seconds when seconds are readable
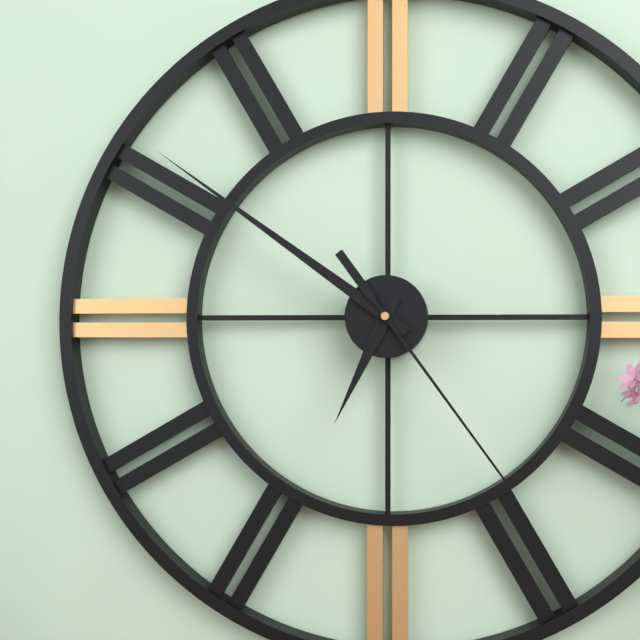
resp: 6,51,24
